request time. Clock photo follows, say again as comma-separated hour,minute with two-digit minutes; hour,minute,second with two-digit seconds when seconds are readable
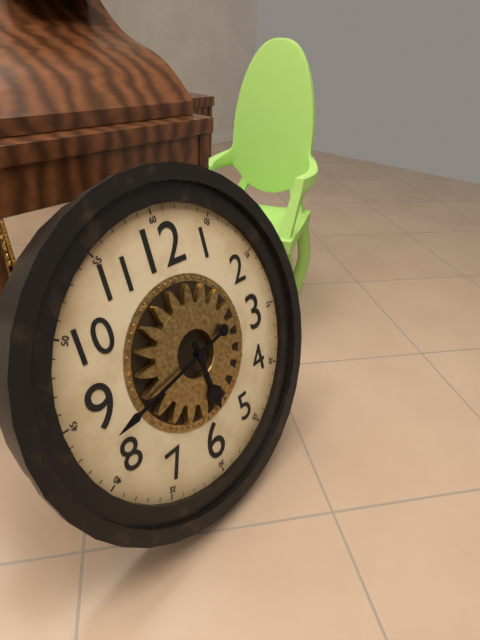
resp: 5,43
